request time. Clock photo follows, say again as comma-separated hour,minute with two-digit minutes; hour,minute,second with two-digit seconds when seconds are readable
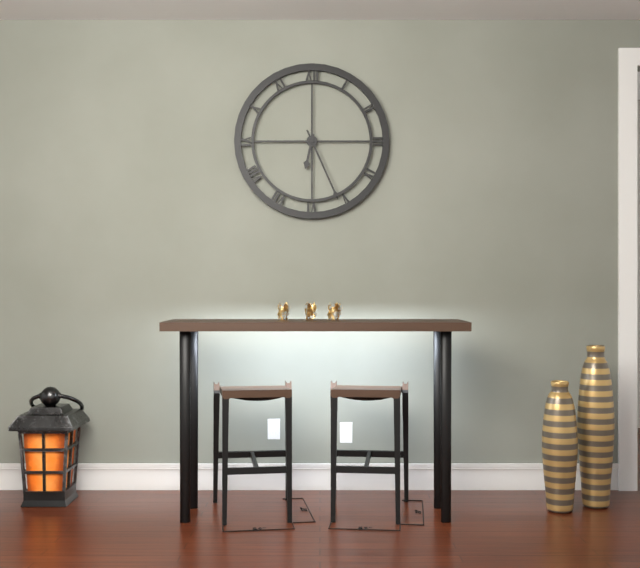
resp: 6,26
